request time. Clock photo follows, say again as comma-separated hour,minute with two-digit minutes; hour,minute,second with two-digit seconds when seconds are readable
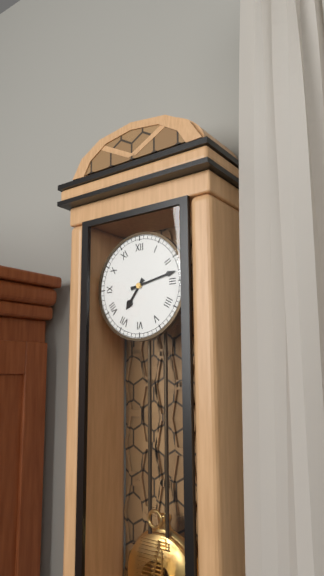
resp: 7,13
